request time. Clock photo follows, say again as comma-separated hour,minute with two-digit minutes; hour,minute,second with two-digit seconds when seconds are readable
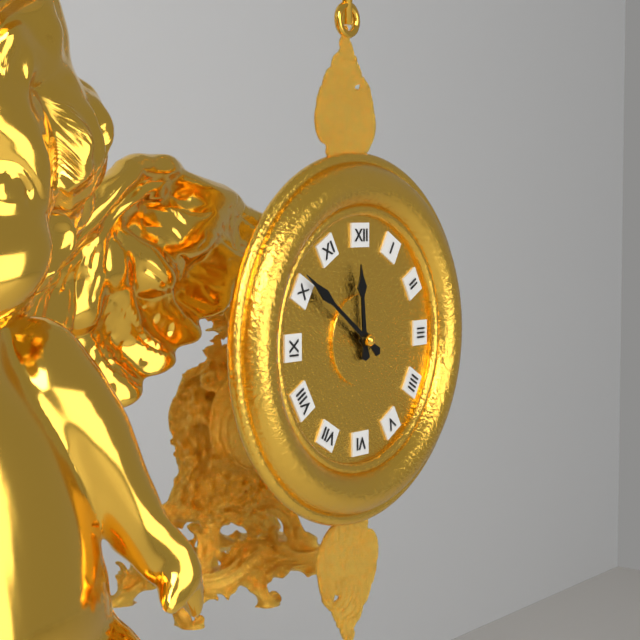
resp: 11,51
